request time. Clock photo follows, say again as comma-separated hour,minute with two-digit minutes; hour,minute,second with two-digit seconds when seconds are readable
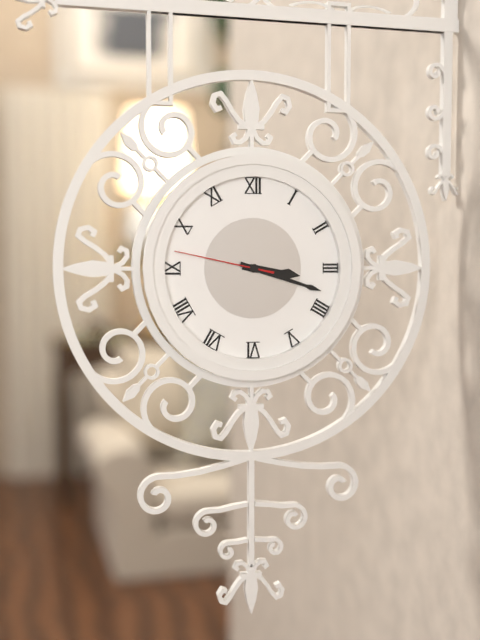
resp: 3,18,47
